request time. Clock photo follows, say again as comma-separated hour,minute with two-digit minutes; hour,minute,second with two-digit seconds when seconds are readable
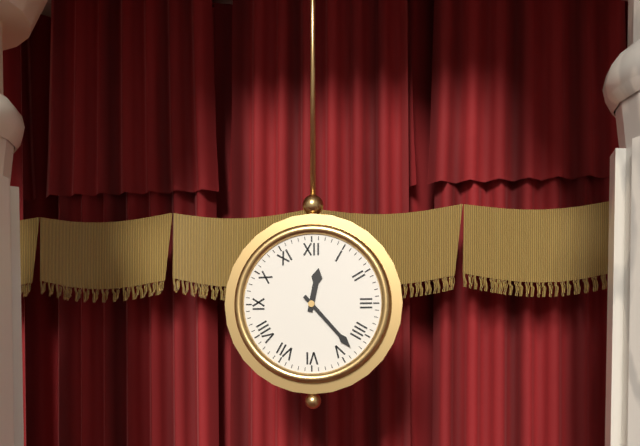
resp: 12,23
